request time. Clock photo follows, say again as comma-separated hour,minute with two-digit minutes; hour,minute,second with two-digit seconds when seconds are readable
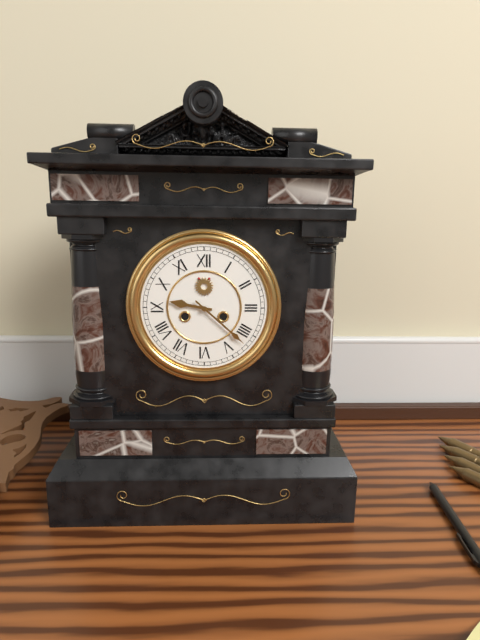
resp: 9,22
